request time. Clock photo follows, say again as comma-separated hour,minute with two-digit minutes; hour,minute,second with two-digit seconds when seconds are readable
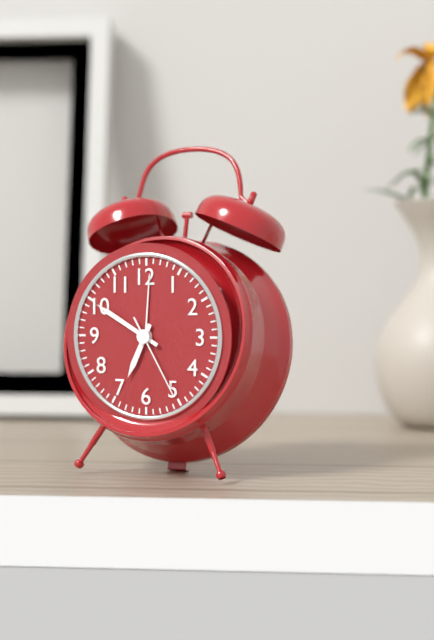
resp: 6,50,25
